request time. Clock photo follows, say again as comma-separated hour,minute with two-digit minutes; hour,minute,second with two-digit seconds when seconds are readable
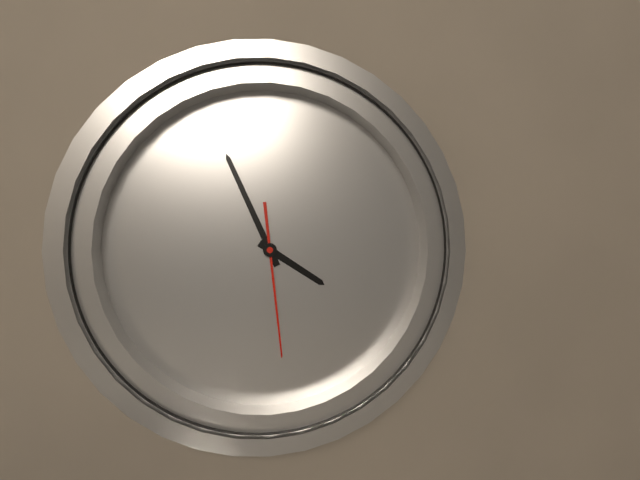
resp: 3,55,28
